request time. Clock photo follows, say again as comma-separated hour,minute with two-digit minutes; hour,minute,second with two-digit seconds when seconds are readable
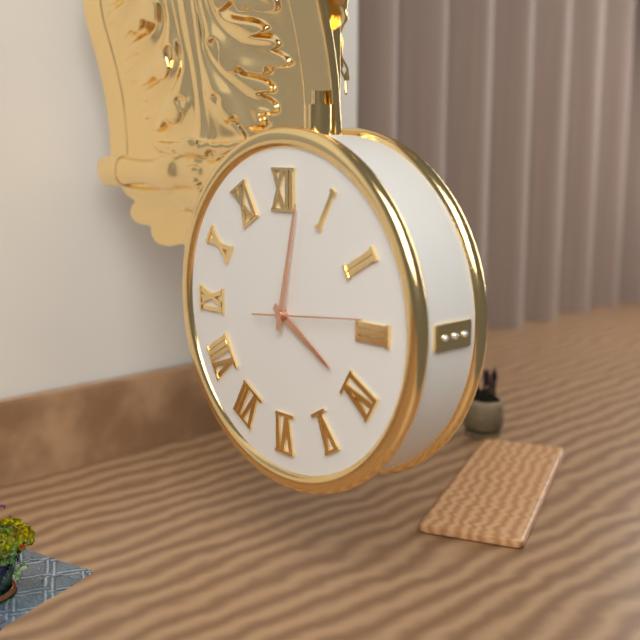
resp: 4,02,14
